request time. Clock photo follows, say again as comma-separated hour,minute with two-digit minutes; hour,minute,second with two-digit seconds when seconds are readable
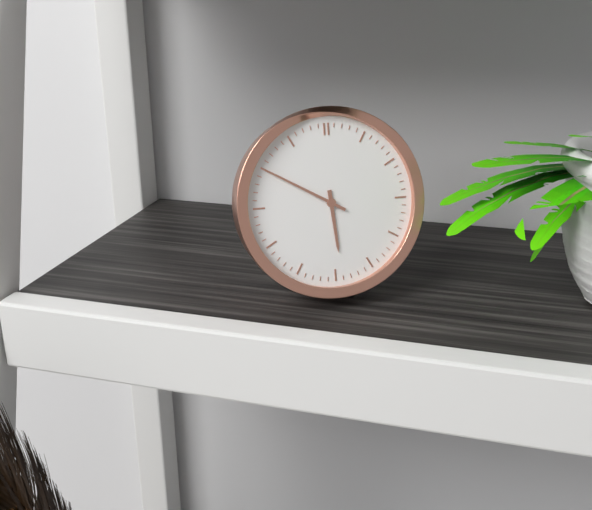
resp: 5,50
